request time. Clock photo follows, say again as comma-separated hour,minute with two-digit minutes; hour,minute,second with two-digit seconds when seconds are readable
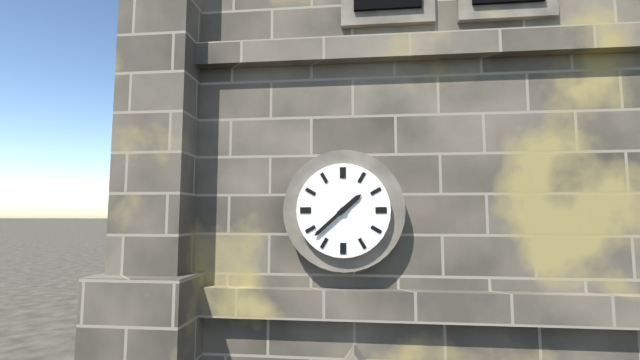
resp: 1,38
